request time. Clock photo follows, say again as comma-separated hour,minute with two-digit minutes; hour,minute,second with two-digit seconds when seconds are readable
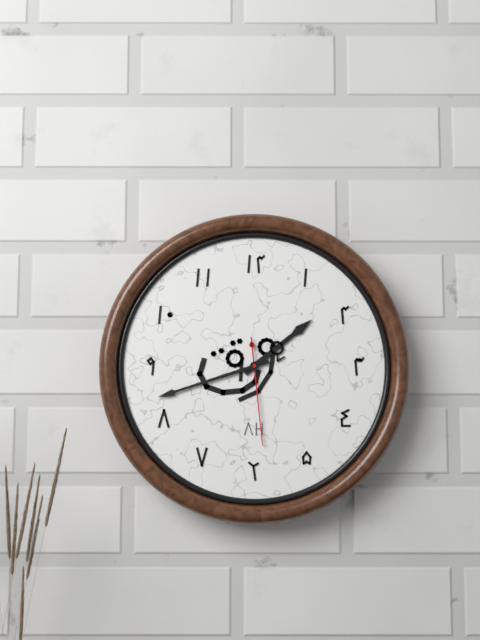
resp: 1,42,29
